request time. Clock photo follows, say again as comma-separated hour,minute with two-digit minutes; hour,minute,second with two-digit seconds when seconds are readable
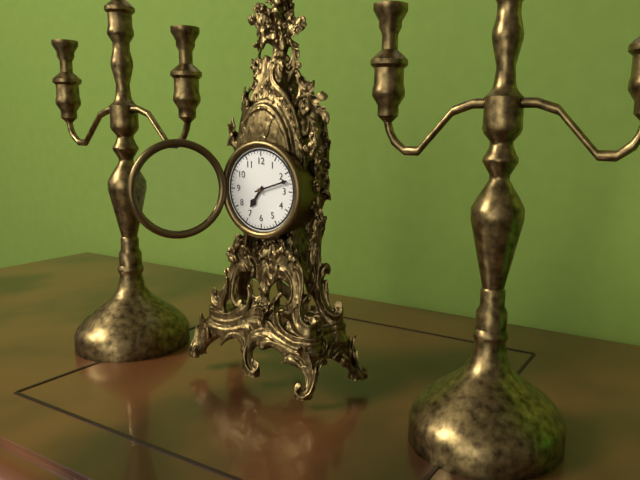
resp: 7,12
